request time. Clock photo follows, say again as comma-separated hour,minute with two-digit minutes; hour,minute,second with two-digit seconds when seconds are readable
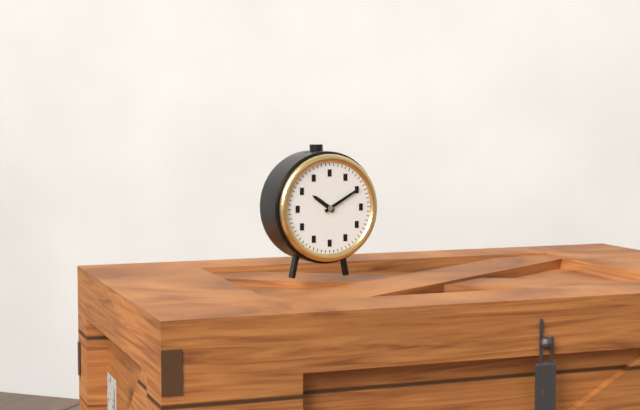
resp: 10,10
